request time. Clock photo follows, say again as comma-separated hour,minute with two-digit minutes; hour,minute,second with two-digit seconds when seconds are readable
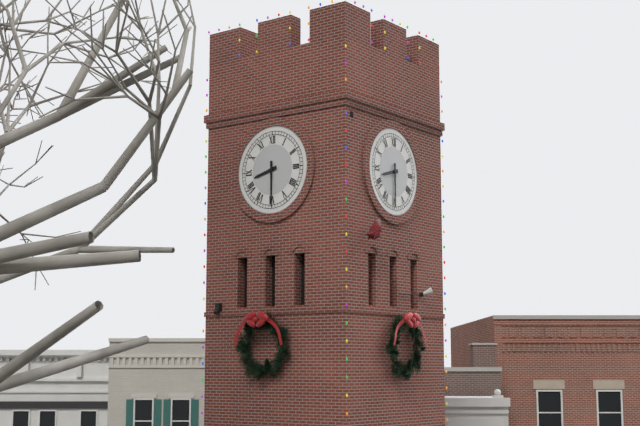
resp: 8,30
